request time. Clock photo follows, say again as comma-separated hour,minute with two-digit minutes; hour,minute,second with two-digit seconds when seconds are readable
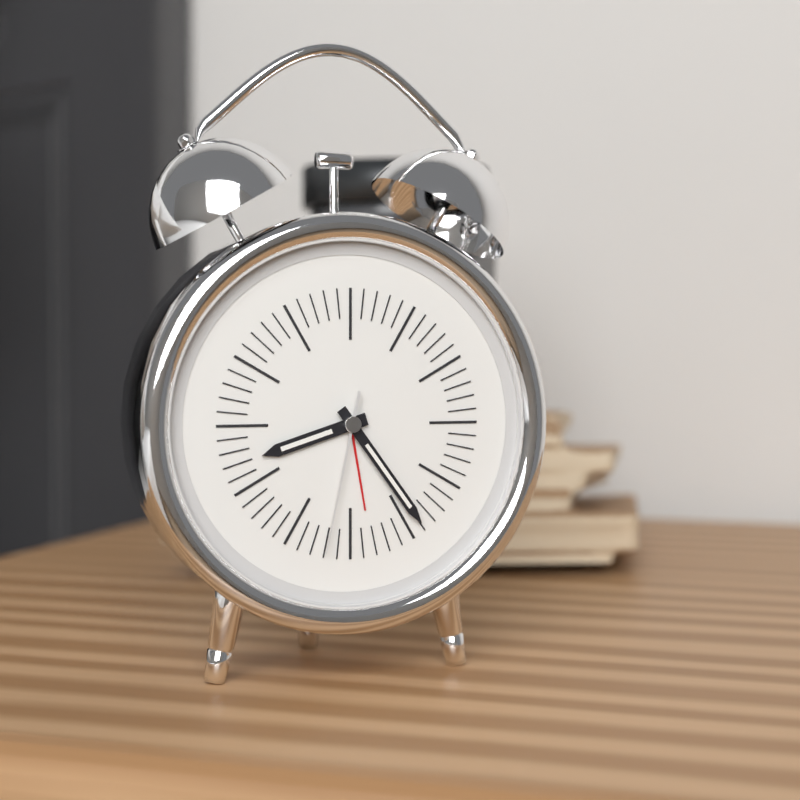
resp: 8,24,32
